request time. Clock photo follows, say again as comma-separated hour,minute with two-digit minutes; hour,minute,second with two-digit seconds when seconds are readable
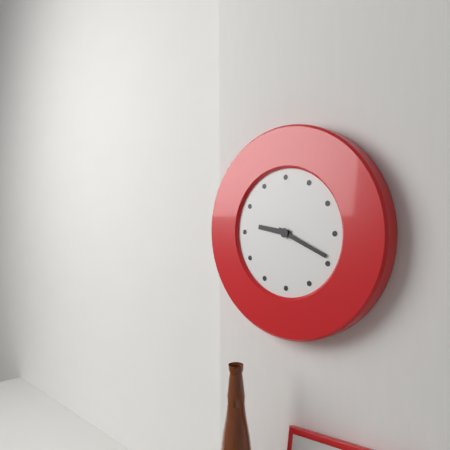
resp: 9,19
